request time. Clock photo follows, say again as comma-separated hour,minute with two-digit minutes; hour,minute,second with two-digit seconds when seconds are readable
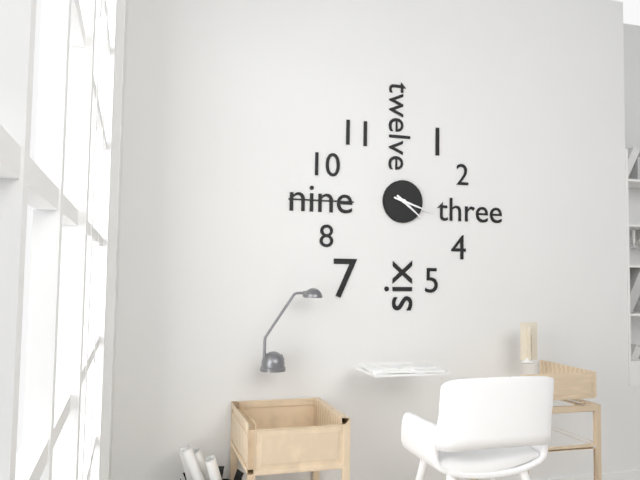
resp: 4,18
